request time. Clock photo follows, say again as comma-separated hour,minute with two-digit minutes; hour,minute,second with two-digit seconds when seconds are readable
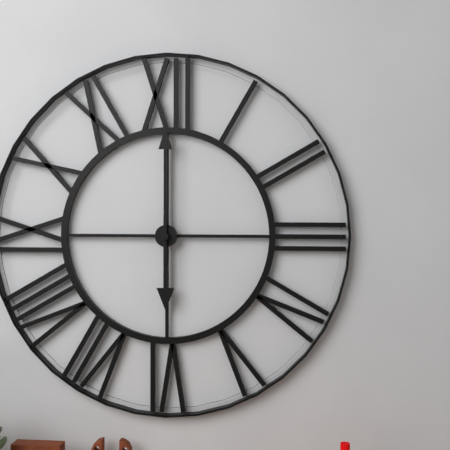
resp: 6,00
